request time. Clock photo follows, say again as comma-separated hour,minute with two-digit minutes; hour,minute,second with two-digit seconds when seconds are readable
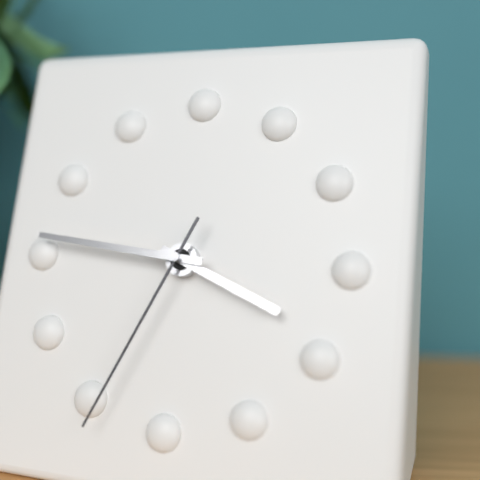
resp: 3,46,34
